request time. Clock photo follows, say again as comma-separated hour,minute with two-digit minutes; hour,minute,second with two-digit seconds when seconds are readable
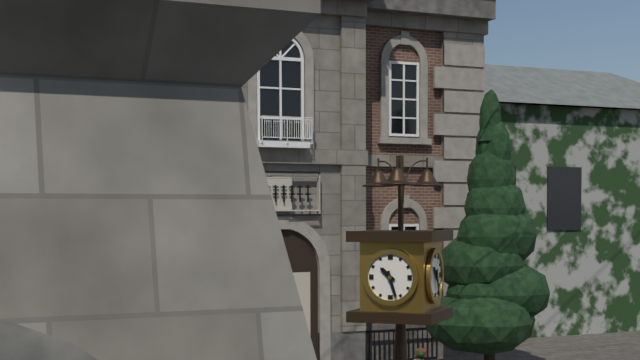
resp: 10,27
